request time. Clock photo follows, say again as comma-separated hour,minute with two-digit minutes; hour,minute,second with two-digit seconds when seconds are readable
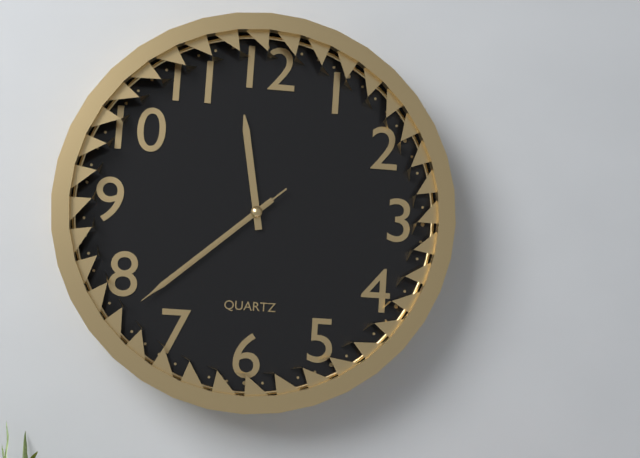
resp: 11,38,38
